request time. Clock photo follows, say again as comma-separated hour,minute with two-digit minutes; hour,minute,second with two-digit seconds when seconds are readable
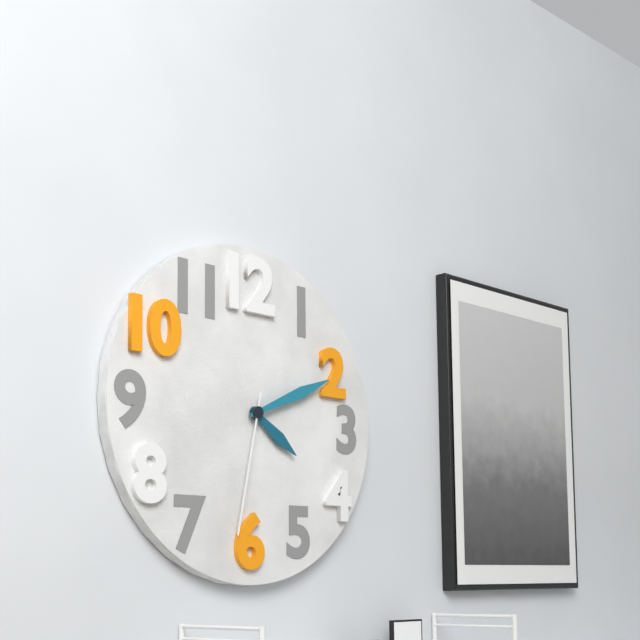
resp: 4,11,32
